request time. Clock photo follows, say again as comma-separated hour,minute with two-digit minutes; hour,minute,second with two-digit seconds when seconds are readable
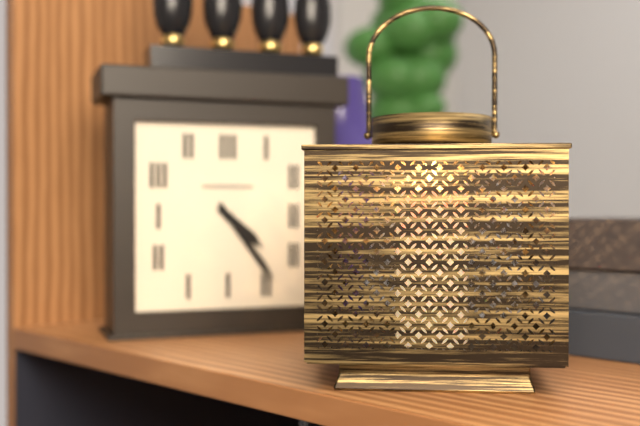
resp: 4,24
